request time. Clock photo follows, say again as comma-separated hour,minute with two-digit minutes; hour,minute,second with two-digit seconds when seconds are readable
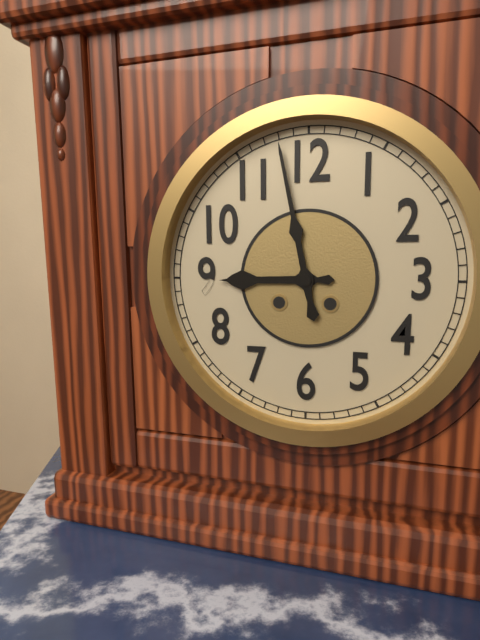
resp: 8,58
